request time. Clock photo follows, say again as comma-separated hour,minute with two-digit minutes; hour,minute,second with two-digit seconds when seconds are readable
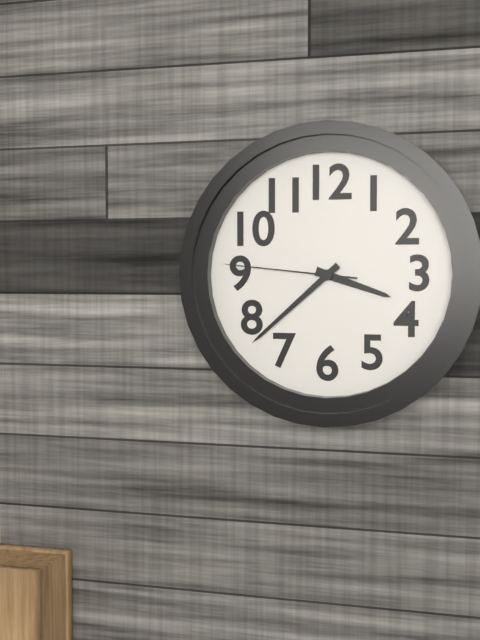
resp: 3,38,46
